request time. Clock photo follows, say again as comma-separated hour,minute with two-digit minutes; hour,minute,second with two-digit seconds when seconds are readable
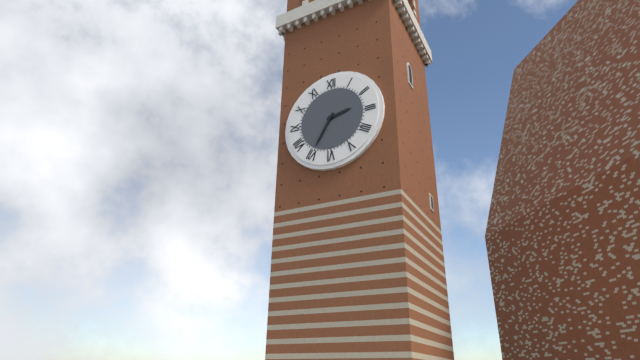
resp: 2,35
